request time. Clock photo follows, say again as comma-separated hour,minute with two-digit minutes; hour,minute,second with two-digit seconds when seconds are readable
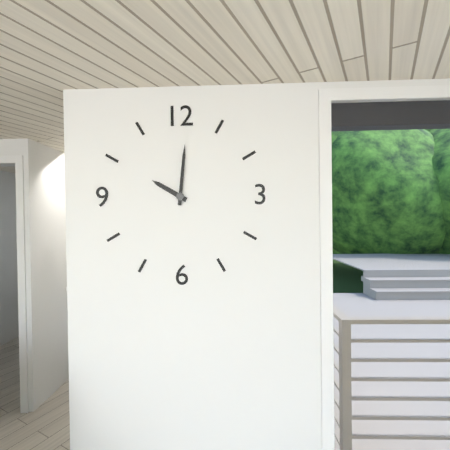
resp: 10,01
